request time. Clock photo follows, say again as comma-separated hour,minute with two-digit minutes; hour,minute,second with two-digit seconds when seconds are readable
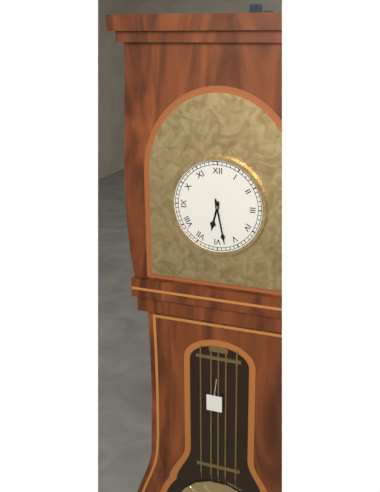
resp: 6,28
